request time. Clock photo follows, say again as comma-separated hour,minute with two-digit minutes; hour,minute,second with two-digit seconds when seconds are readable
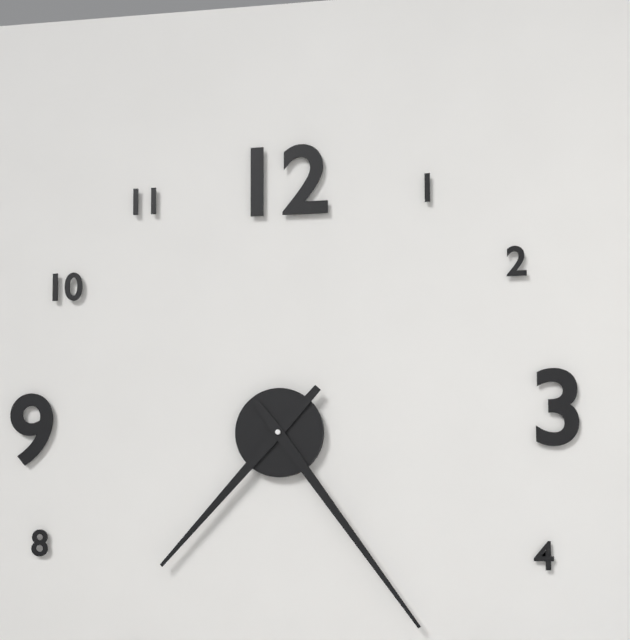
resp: 7,24
